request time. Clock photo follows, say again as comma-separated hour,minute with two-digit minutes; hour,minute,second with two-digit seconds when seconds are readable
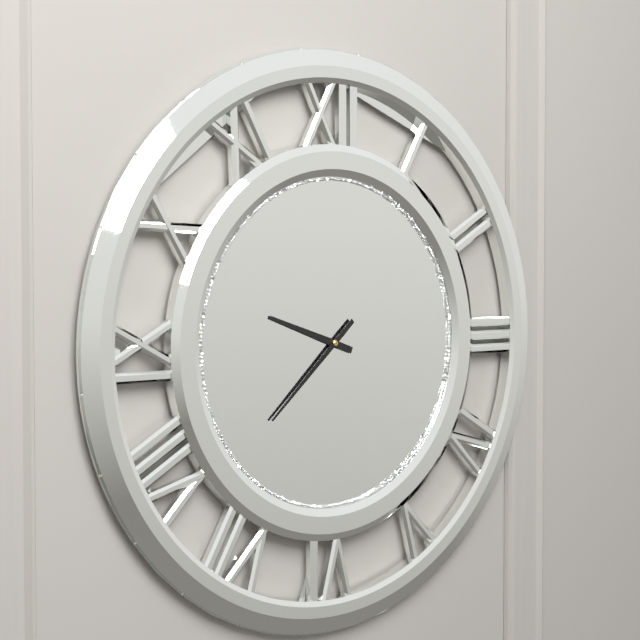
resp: 9,38
